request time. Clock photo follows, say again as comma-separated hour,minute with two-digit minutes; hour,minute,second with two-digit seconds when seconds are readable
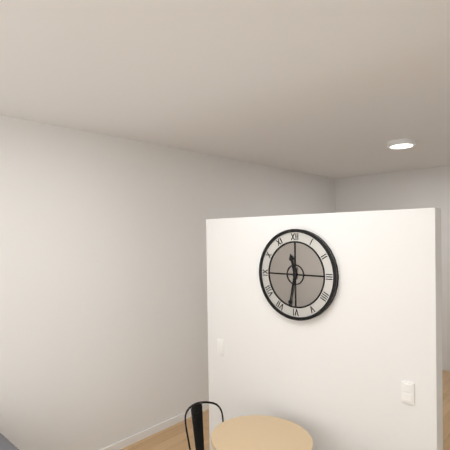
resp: 11,32
